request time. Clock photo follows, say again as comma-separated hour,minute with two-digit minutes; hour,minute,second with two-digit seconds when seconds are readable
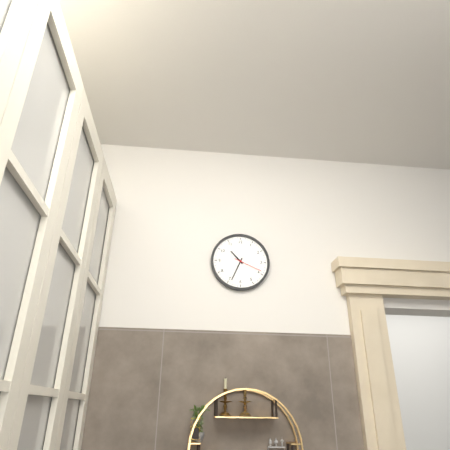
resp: 10,34
